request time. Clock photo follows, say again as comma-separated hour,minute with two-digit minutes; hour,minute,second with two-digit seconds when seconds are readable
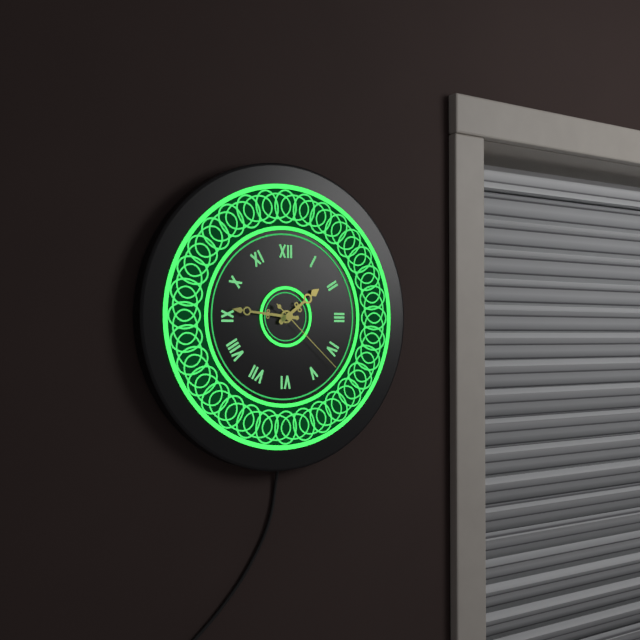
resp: 1,46,22
